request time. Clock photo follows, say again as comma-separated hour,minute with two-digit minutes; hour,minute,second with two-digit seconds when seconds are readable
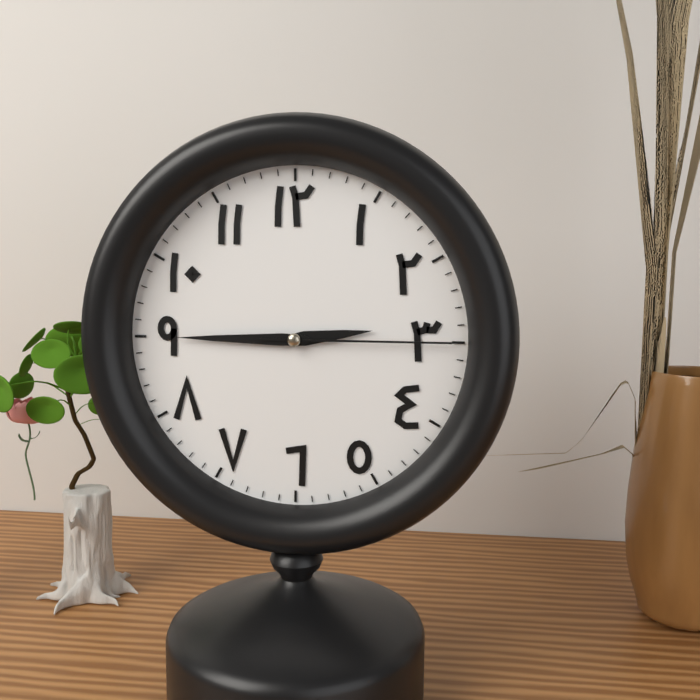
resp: 2,45,15
